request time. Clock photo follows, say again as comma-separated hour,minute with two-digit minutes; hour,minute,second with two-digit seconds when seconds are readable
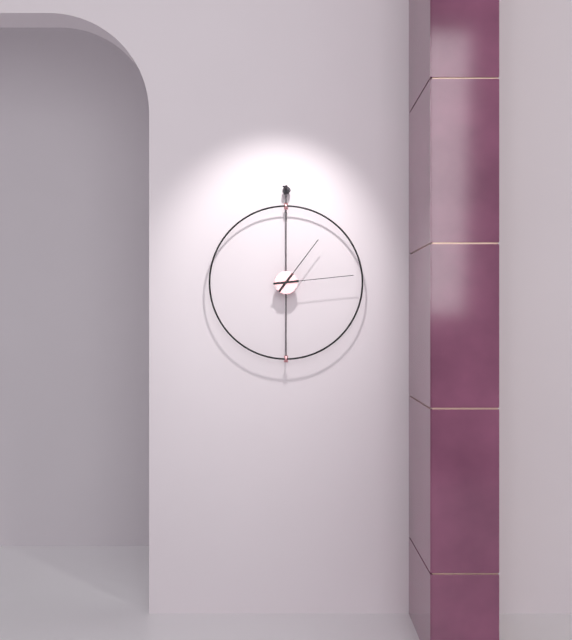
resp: 1,14
